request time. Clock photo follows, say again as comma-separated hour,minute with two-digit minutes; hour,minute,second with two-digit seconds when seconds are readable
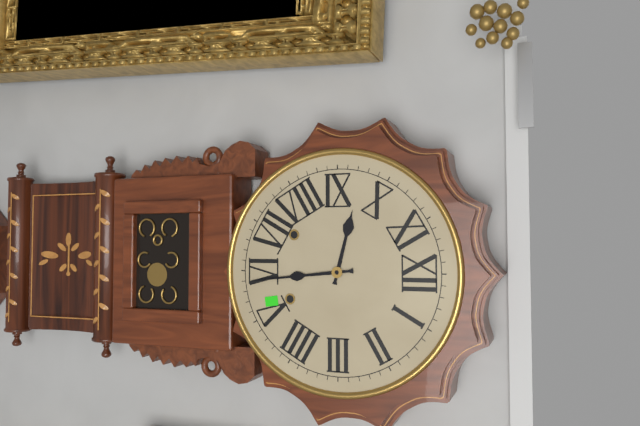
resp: 9,29
